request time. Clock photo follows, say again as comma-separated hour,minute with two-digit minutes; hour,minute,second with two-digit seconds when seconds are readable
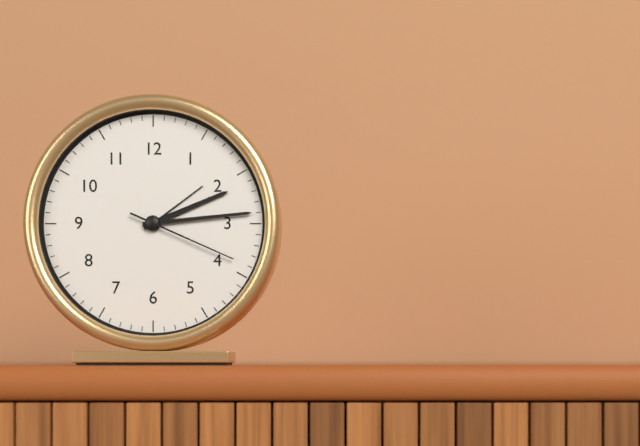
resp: 2,14,19
